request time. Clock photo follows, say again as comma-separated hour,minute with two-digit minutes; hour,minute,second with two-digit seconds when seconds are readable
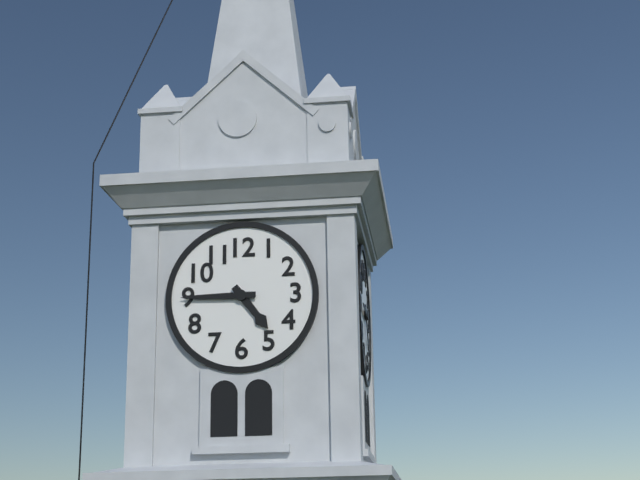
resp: 4,45
